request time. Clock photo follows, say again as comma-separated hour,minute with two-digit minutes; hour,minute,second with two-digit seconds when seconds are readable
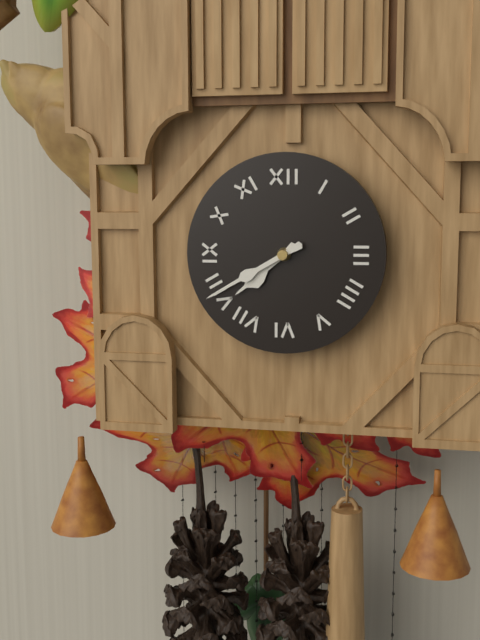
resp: 7,40
